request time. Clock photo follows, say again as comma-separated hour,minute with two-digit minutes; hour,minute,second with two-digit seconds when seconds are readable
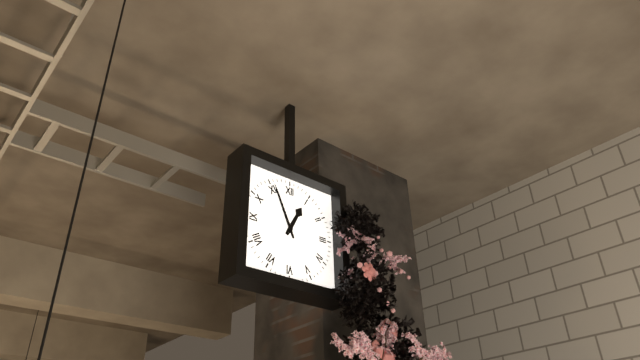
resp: 12,56
